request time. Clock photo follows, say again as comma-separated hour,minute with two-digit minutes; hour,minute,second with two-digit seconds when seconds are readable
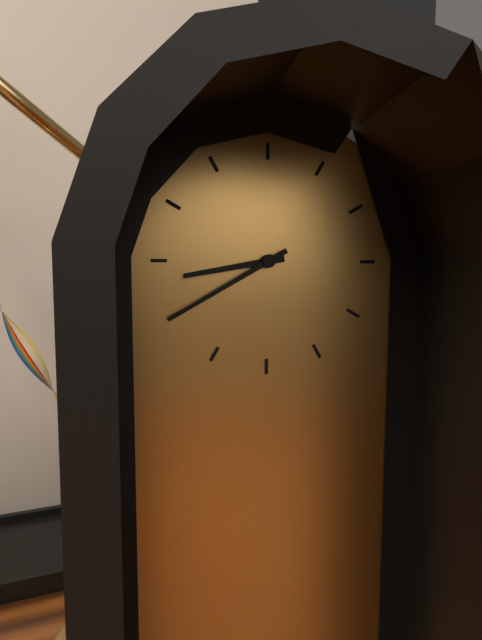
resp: 8,40
